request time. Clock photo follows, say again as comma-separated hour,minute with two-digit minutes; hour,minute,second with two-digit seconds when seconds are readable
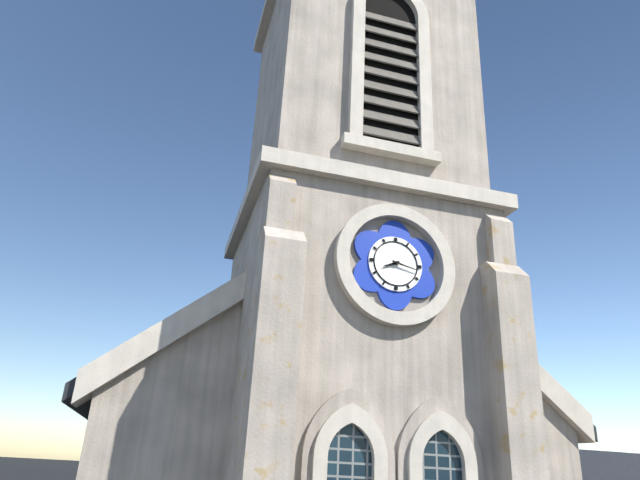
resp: 8,17
